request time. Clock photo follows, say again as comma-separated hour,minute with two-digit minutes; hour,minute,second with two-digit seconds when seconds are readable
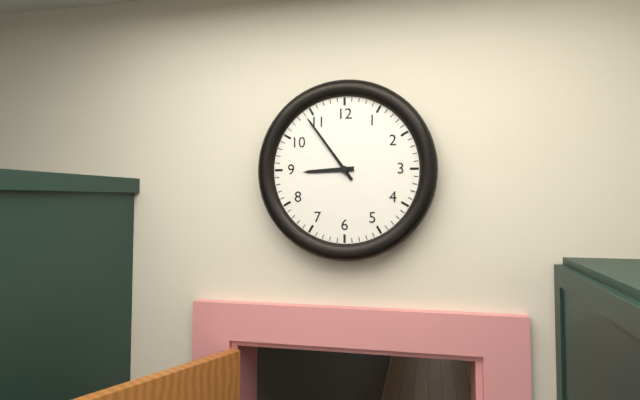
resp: 8,54
